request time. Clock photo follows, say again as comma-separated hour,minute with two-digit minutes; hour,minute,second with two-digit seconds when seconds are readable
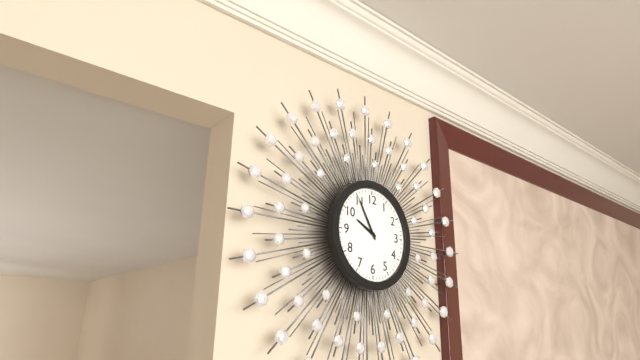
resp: 9,55
